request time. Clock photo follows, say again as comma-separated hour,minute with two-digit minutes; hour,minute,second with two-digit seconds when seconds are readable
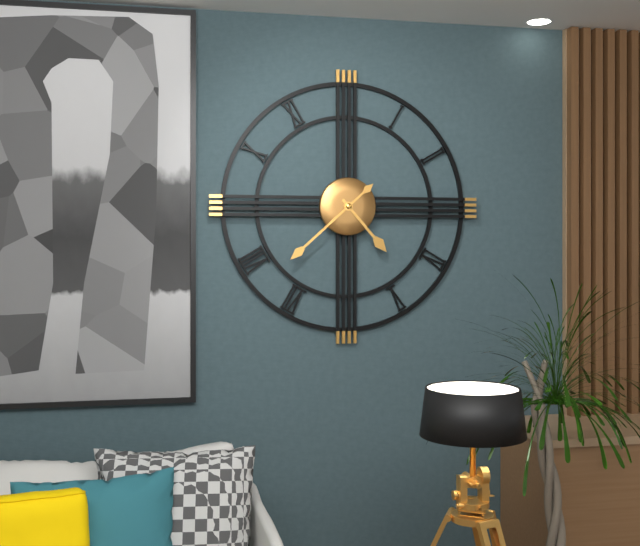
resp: 4,38
